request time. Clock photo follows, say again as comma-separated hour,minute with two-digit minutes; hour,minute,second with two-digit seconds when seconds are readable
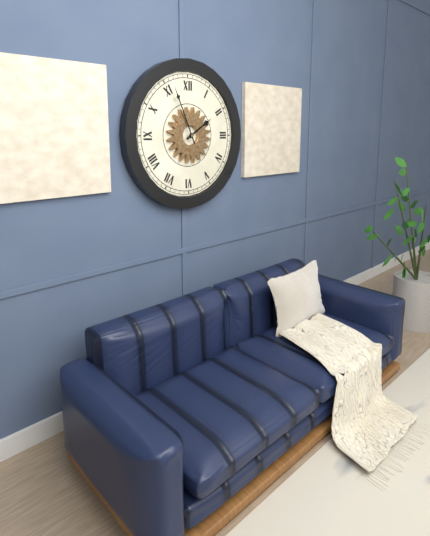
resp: 1,56
